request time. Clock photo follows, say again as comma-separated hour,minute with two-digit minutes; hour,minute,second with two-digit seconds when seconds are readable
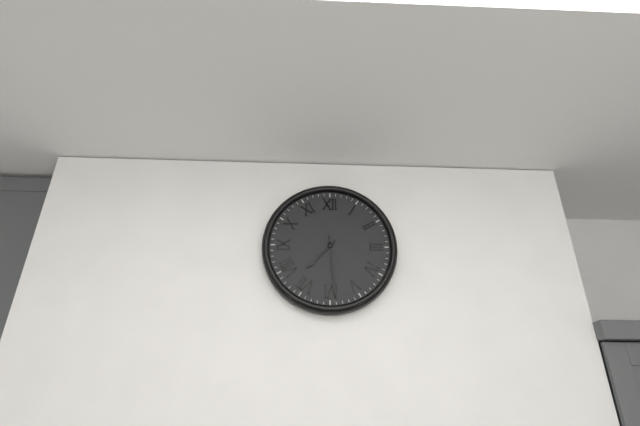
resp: 7,29
